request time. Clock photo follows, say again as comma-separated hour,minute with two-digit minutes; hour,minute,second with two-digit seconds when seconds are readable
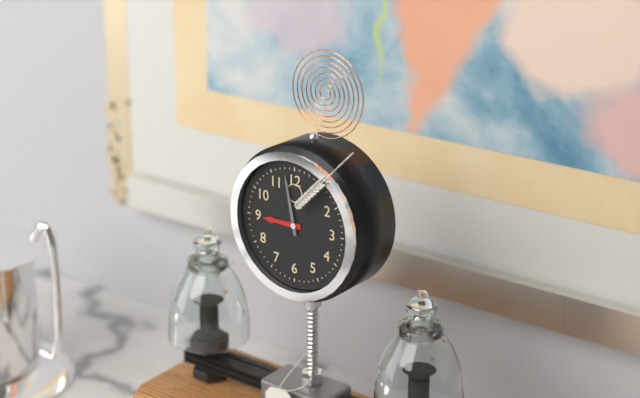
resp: 8,58
